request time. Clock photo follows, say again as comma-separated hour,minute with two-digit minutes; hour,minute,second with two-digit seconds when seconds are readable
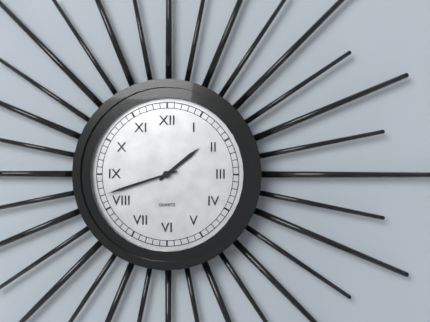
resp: 1,42
